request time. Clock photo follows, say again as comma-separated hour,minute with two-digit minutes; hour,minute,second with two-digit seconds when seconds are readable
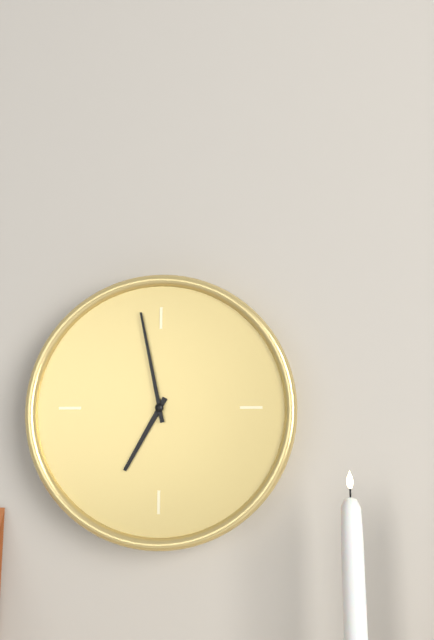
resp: 6,58
